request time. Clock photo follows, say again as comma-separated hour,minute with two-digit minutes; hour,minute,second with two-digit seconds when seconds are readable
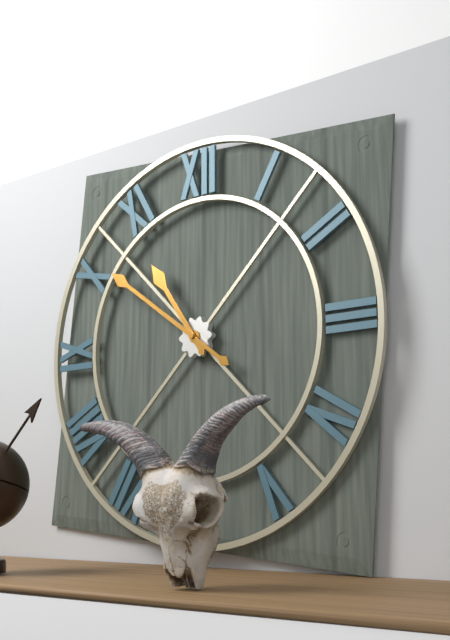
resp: 10,51
